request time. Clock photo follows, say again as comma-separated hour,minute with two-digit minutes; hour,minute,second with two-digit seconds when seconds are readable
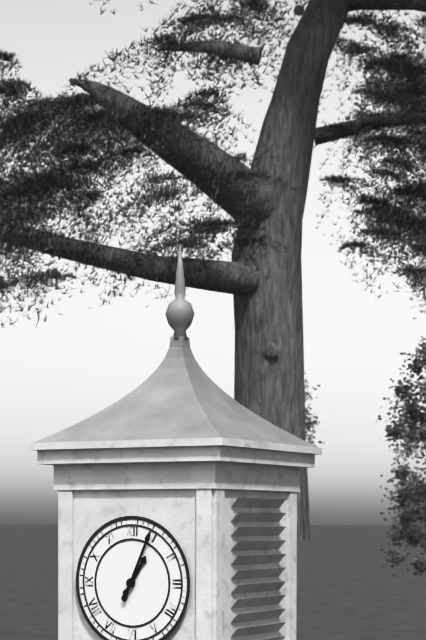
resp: 1,04
